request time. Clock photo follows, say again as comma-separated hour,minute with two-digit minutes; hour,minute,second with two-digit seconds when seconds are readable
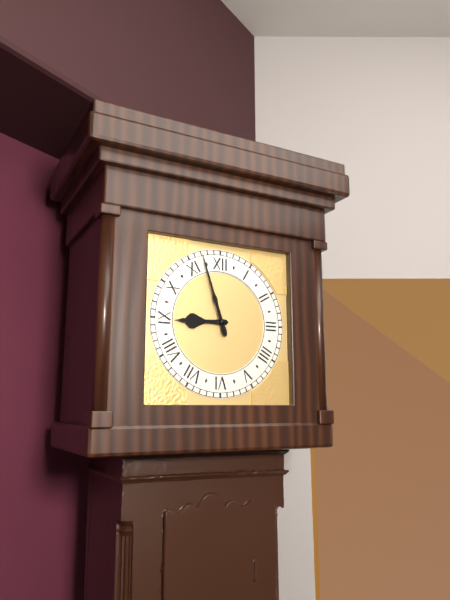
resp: 8,57
